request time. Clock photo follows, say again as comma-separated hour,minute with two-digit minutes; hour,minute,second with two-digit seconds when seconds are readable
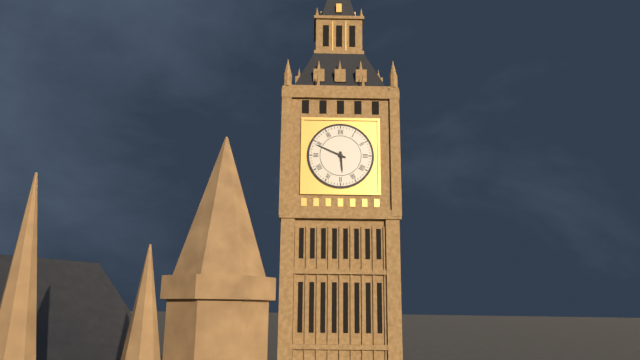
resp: 5,49
